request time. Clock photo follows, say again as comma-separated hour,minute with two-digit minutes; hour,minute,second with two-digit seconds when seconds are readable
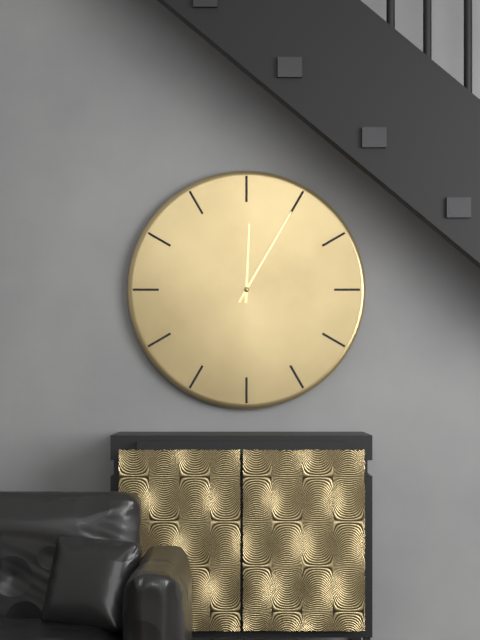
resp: 12,05
